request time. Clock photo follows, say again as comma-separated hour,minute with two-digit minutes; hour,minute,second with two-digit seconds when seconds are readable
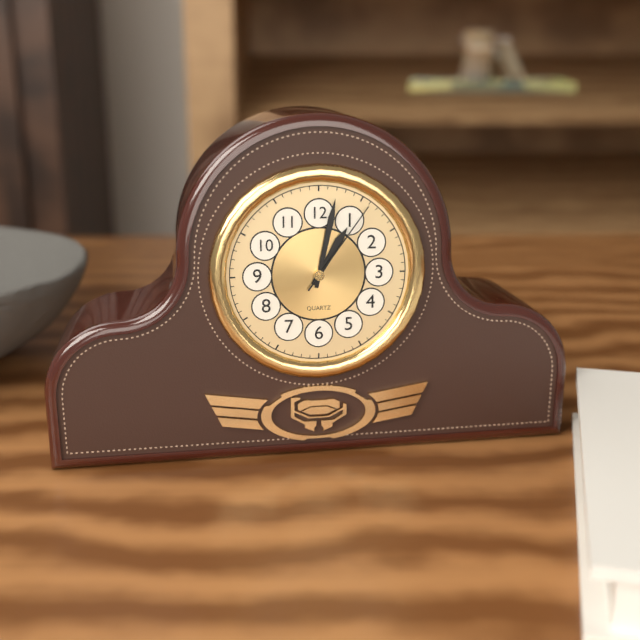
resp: 1,02,06
